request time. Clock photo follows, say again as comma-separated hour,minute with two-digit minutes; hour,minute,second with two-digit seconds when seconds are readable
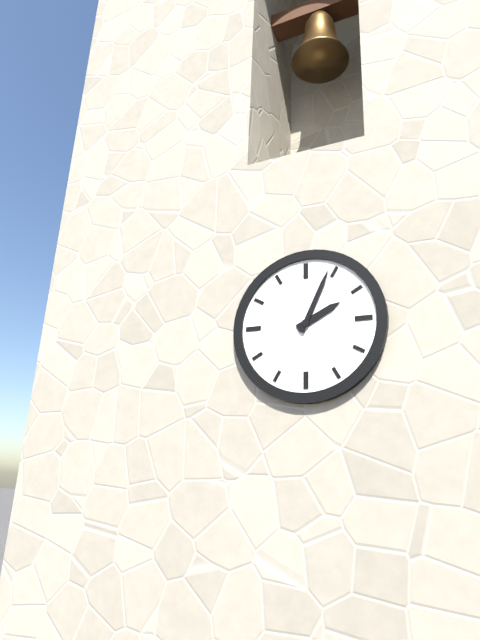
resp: 2,04
